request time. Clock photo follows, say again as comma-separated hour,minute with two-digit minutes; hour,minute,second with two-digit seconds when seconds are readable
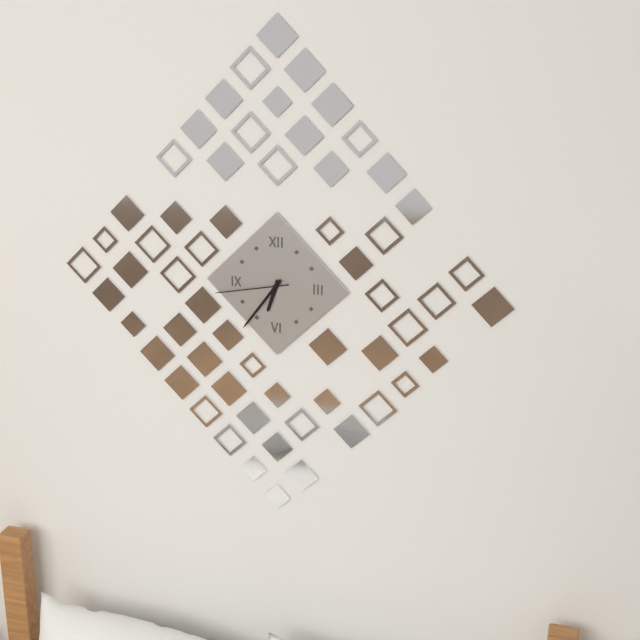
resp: 6,36,43
